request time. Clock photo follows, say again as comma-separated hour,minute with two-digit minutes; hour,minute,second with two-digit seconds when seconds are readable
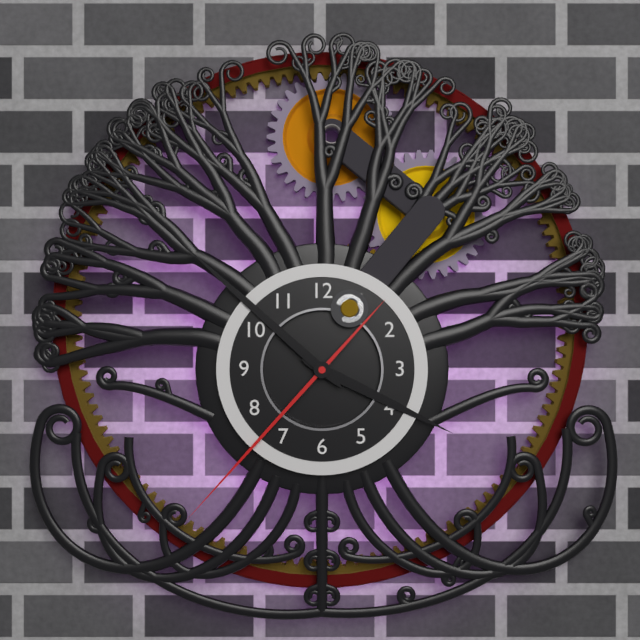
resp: 3,52,37
